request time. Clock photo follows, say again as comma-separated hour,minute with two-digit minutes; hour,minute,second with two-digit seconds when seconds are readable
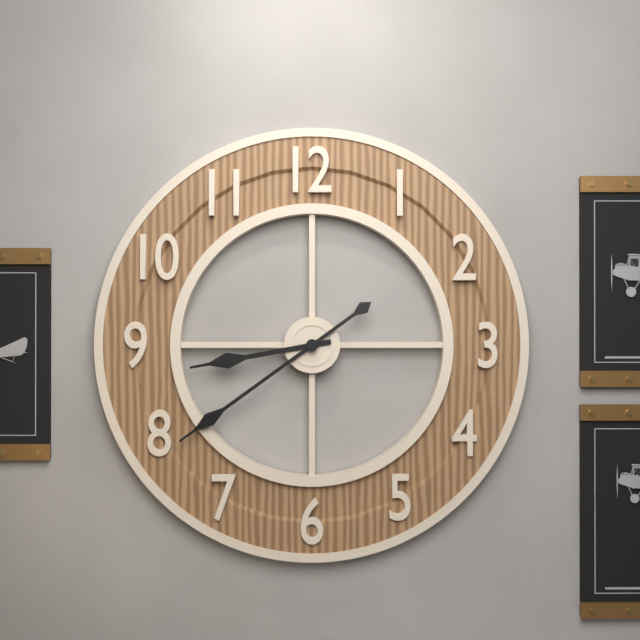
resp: 8,39
